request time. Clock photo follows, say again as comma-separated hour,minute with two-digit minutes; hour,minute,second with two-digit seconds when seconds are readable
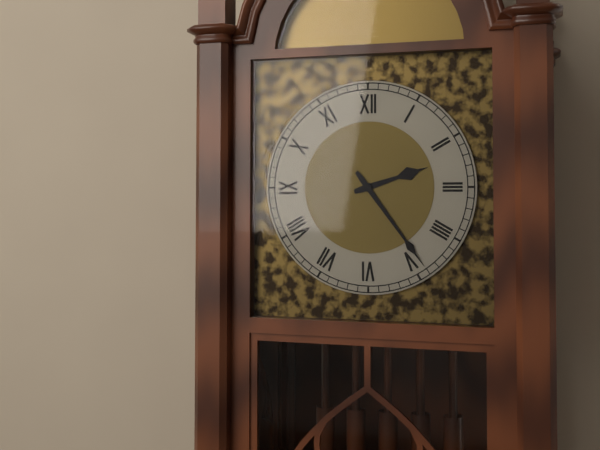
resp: 2,24
